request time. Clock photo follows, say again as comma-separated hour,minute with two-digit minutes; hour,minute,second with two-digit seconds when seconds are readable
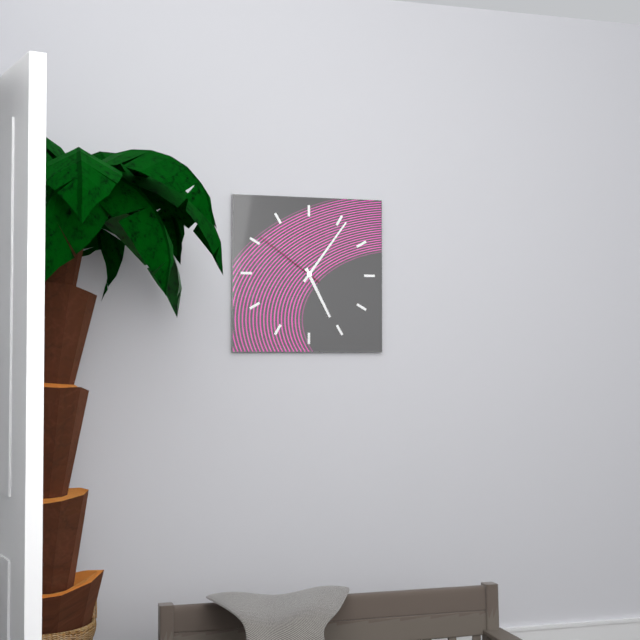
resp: 5,06,51
